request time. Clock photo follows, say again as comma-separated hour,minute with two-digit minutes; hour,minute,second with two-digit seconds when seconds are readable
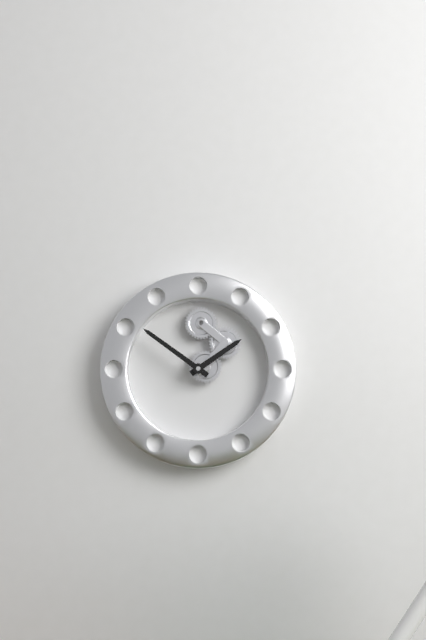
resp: 1,51
